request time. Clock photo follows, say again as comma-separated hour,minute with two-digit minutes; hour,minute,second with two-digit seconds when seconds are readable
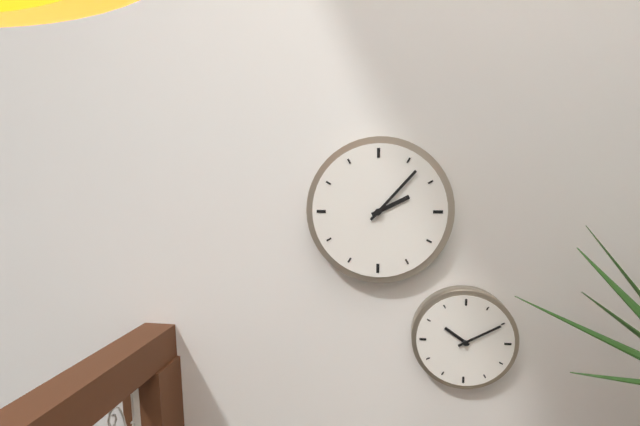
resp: 2,07
